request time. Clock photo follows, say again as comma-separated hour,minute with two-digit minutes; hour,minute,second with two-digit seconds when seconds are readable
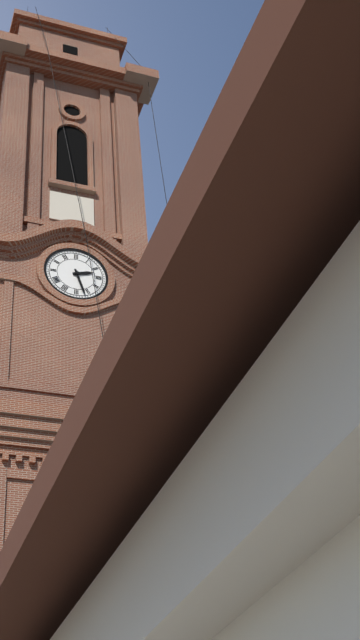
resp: 2,27
